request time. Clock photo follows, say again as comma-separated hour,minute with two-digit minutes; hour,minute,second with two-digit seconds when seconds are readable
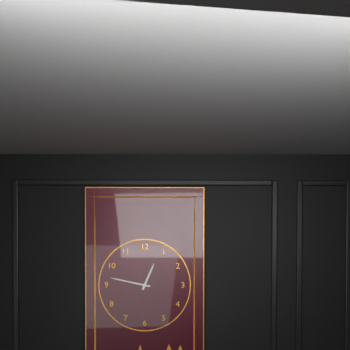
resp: 12,47
